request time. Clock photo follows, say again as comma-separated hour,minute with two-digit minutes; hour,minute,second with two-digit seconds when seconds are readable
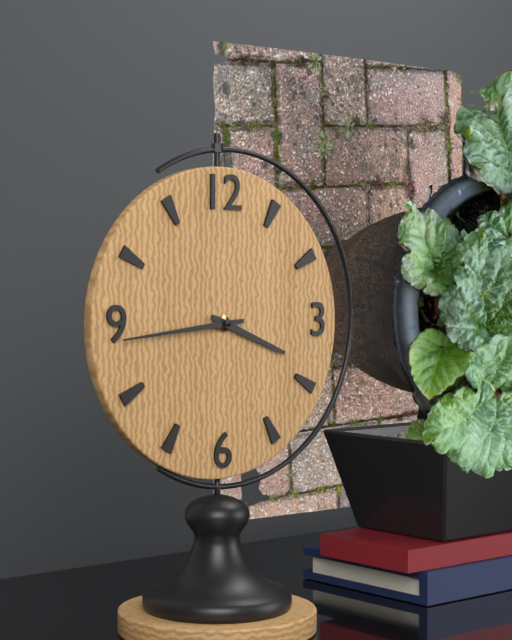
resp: 3,44
